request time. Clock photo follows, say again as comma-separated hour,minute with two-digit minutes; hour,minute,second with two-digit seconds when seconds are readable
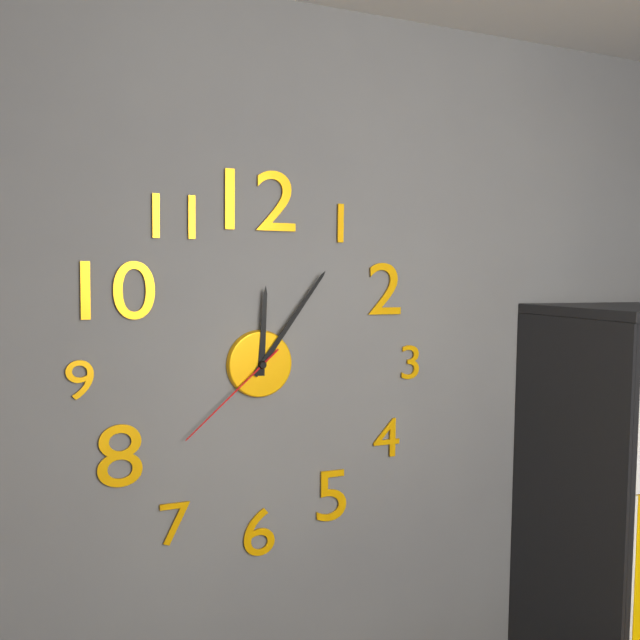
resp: 12,06,38
